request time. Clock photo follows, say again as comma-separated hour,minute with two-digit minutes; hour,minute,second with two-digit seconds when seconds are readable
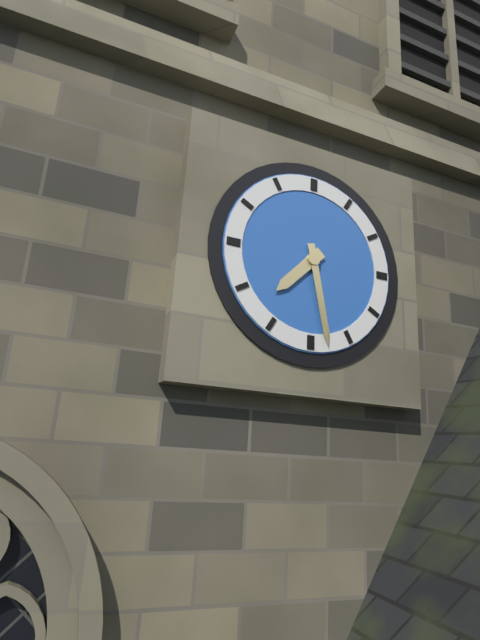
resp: 7,28
